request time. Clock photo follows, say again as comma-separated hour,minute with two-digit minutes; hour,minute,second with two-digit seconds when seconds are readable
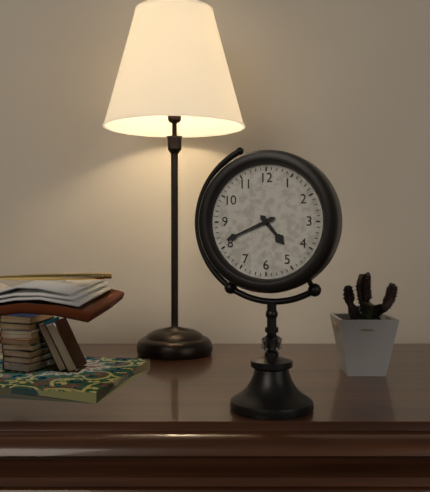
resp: 4,41
